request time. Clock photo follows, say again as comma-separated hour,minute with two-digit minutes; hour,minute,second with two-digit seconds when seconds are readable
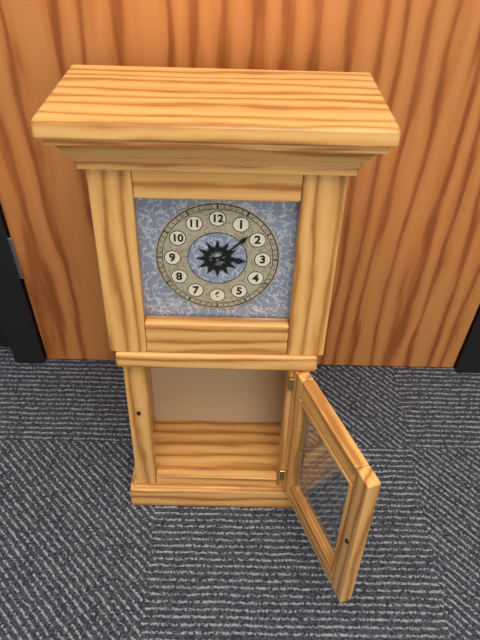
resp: 3,08
